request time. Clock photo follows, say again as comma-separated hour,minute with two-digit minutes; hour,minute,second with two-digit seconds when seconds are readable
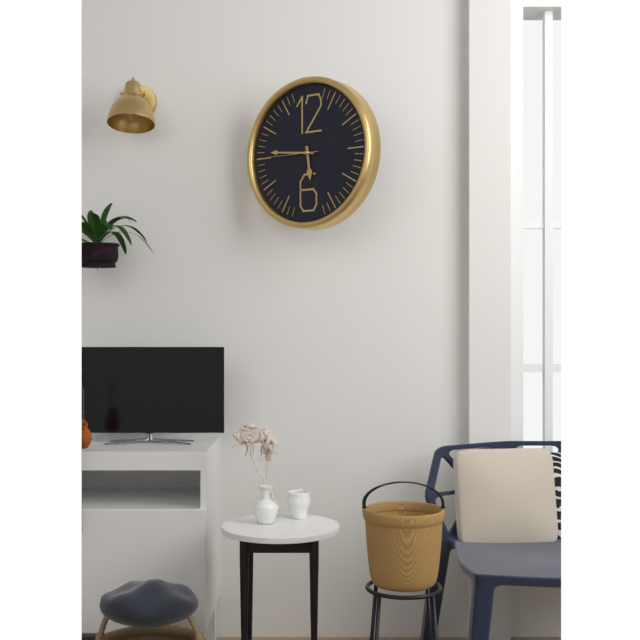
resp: 5,46,45
